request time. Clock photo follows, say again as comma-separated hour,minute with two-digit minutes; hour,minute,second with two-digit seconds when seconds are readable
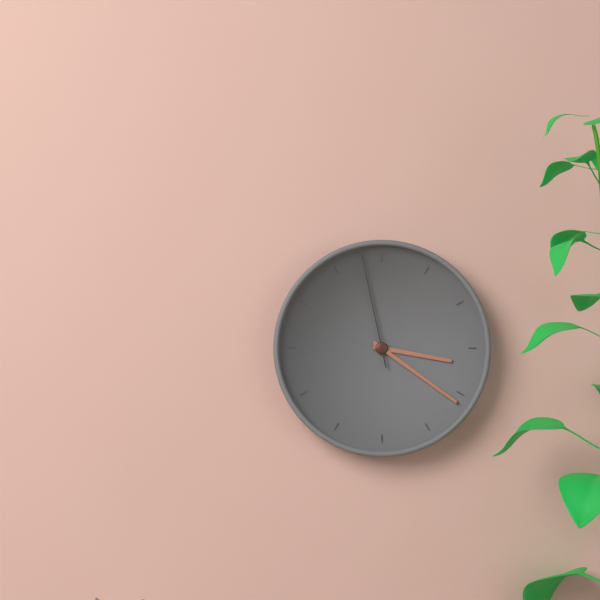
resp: 3,21,58
